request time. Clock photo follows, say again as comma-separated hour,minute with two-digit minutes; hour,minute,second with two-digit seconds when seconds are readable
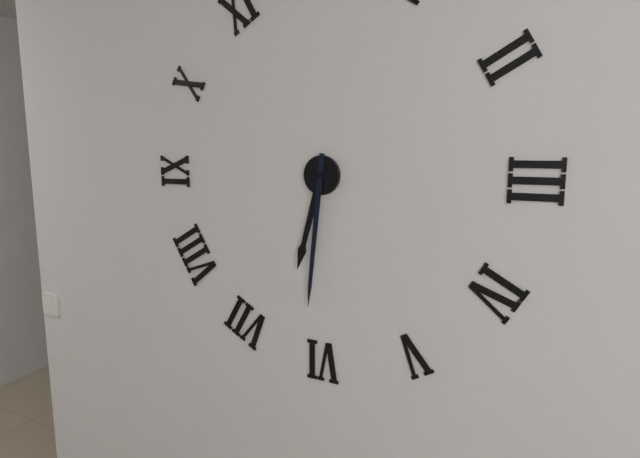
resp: 6,31
